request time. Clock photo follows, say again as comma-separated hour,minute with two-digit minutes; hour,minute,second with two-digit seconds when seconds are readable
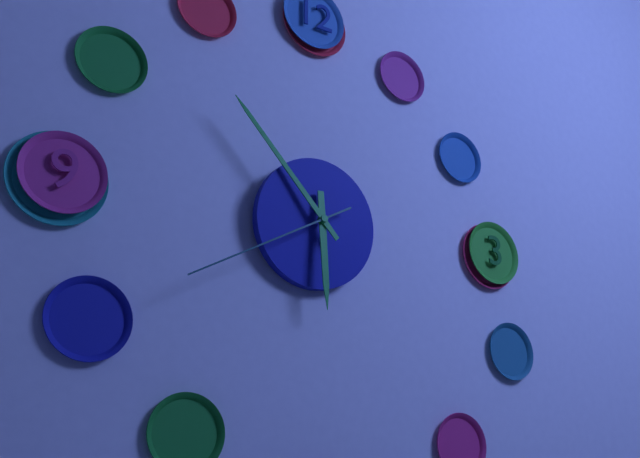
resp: 5,53,40
